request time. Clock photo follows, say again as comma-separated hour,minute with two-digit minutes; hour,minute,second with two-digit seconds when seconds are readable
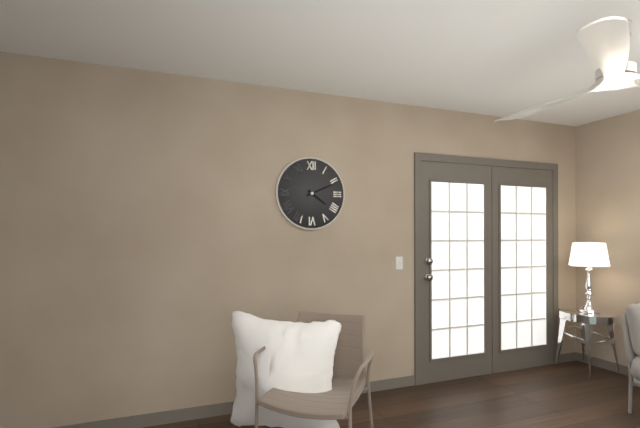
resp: 4,11
